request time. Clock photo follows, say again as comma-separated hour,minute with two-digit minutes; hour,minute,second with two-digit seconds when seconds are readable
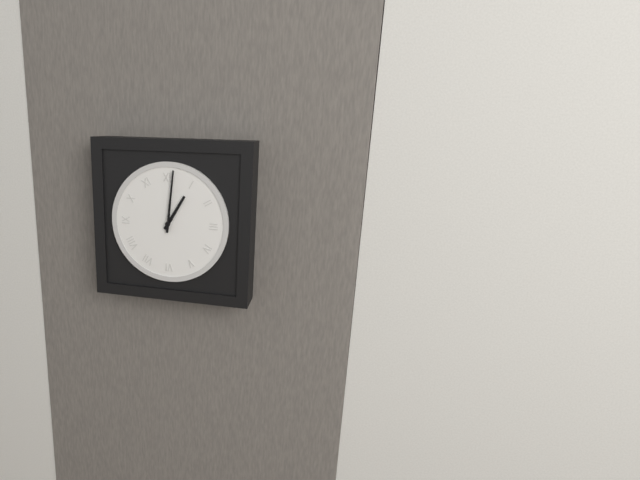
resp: 1,01
